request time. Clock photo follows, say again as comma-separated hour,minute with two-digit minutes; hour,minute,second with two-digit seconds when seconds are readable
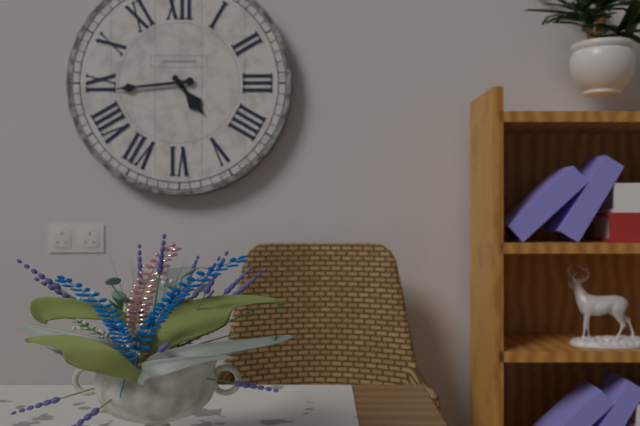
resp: 4,44
